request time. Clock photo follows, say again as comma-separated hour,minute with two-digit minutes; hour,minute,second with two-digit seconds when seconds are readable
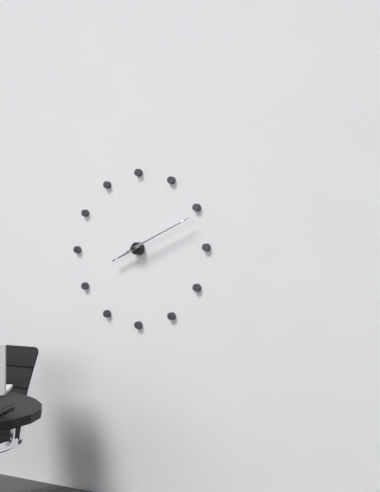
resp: 8,11
